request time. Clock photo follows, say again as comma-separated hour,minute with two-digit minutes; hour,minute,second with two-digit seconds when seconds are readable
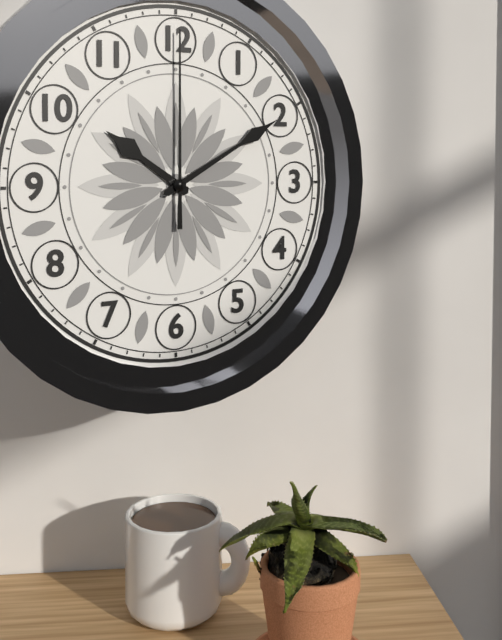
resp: 10,10,00
